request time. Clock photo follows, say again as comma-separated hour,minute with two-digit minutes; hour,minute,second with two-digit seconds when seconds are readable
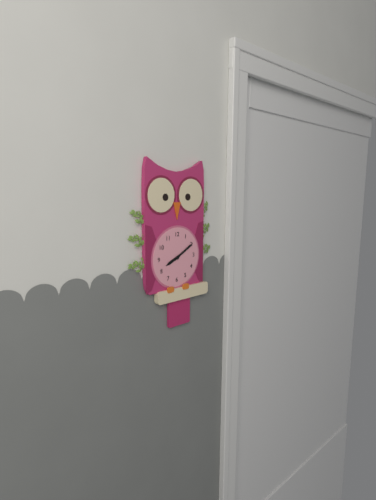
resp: 8,10
